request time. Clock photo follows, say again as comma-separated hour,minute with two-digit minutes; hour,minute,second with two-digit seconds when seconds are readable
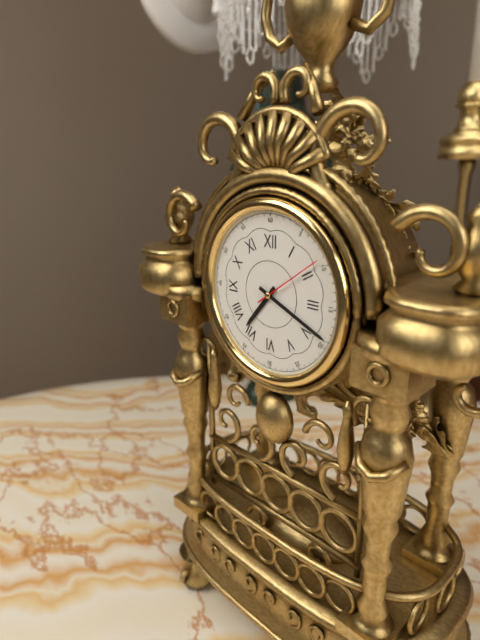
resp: 7,19,09
